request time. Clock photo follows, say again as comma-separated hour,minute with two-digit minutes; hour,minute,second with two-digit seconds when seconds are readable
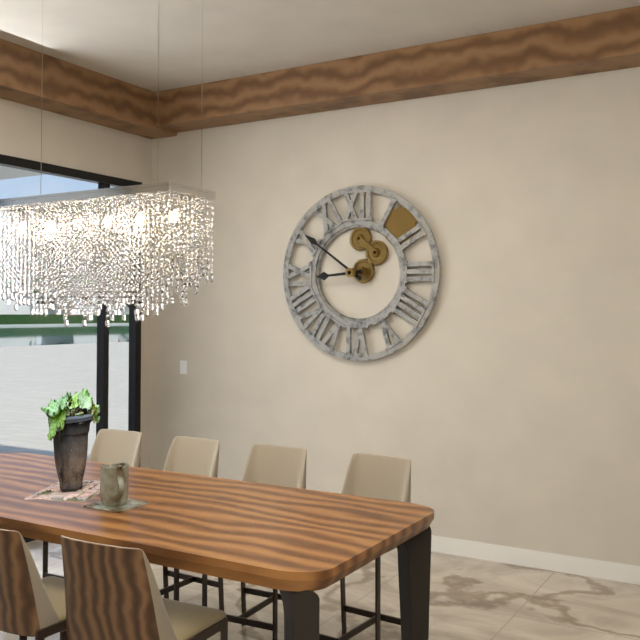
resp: 8,51
